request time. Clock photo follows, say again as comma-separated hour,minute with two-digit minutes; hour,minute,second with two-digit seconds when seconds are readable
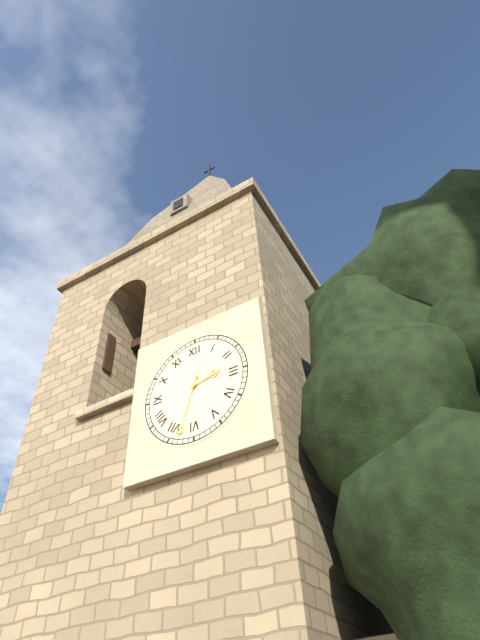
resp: 2,33
